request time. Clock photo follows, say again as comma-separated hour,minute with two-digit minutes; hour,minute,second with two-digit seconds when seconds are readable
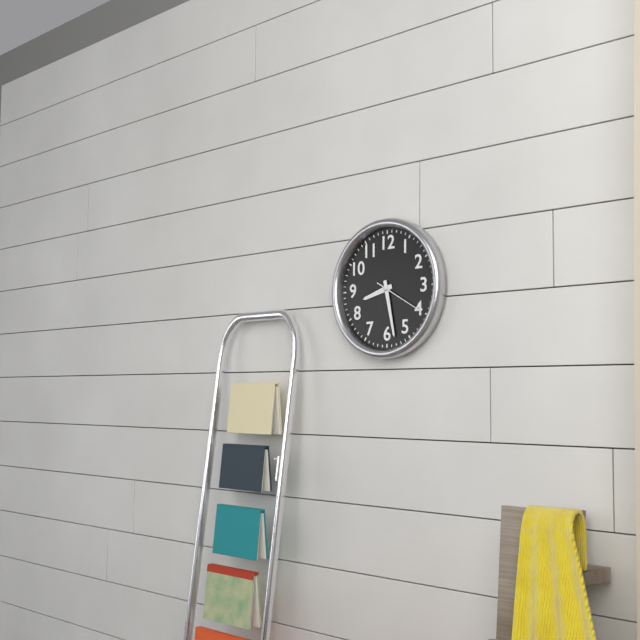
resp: 8,28,20
